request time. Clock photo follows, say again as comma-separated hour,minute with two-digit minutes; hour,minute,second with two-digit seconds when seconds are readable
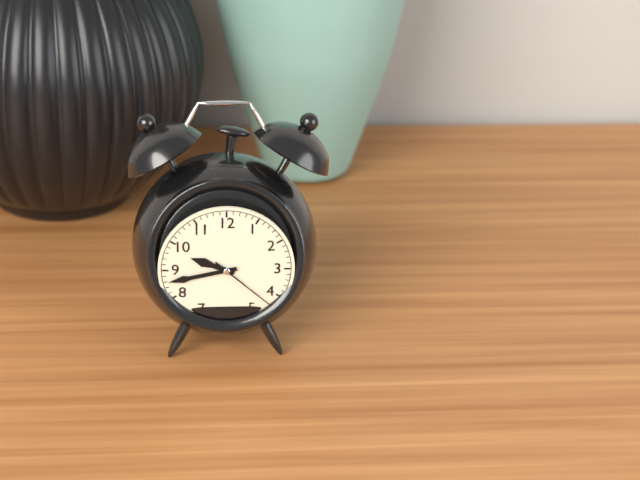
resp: 9,43,22
